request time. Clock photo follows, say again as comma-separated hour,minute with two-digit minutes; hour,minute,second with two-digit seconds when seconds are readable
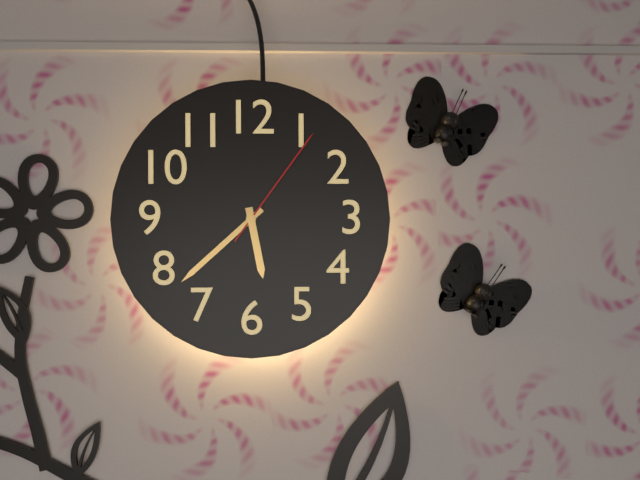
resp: 5,38,06
